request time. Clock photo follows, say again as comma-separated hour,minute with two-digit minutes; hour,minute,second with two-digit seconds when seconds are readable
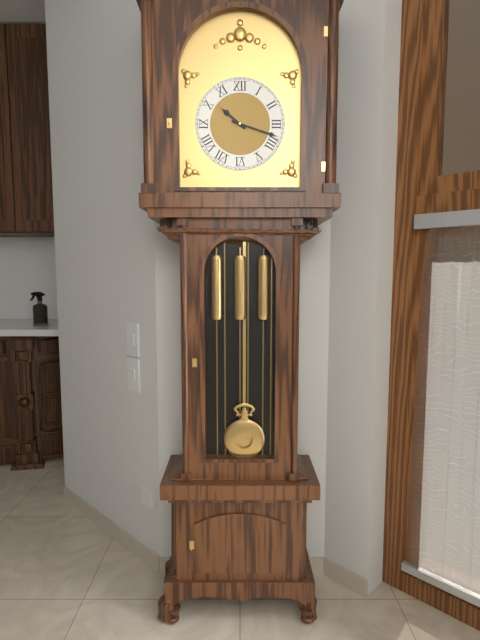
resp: 10,18
